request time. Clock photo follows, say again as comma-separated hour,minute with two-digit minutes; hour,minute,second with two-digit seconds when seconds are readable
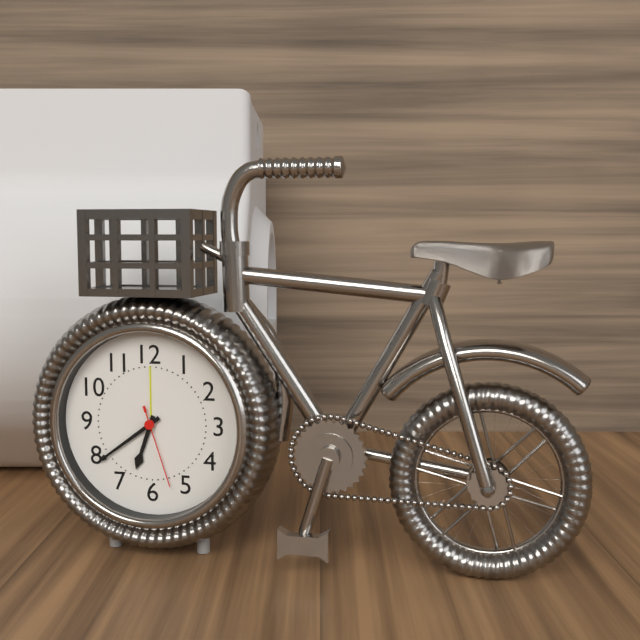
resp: 6,39,27
